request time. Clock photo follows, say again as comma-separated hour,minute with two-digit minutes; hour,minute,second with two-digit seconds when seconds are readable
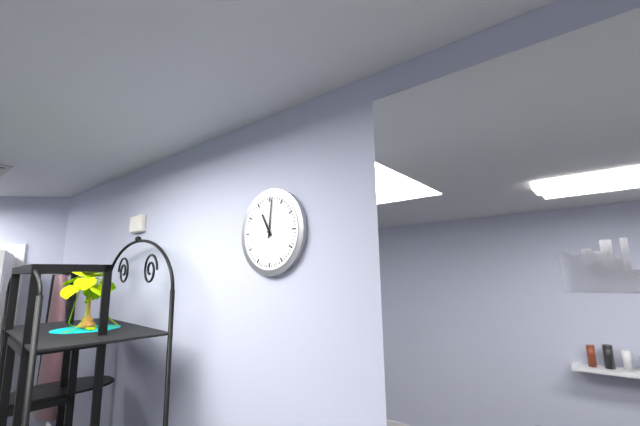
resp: 11,01
